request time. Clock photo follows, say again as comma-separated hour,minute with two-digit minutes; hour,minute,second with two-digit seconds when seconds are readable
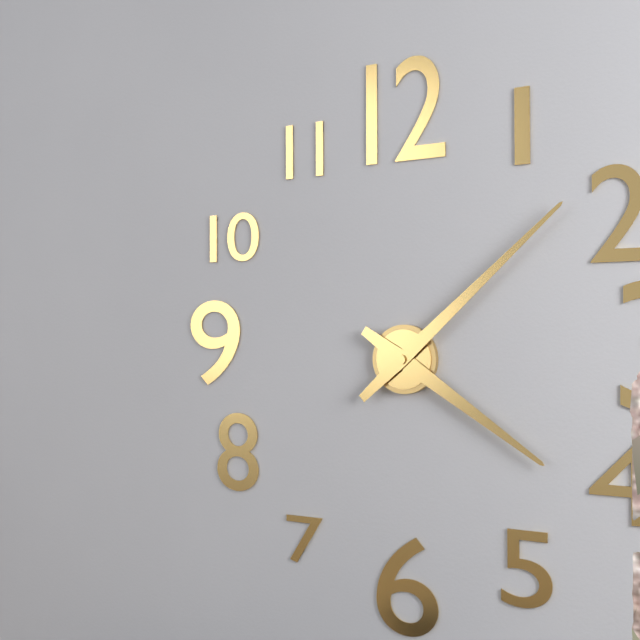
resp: 4,08
